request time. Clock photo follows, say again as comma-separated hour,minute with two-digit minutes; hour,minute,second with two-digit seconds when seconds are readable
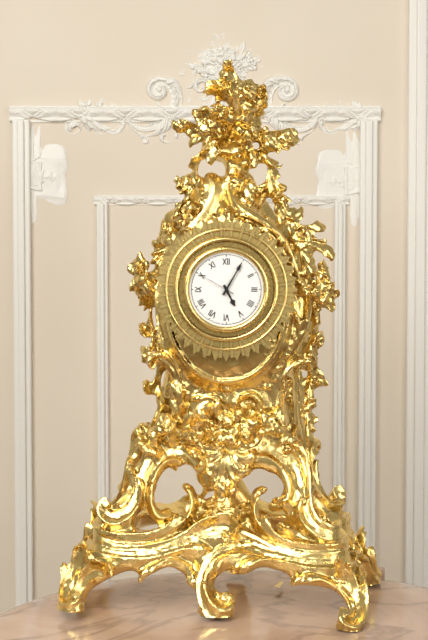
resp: 5,05
